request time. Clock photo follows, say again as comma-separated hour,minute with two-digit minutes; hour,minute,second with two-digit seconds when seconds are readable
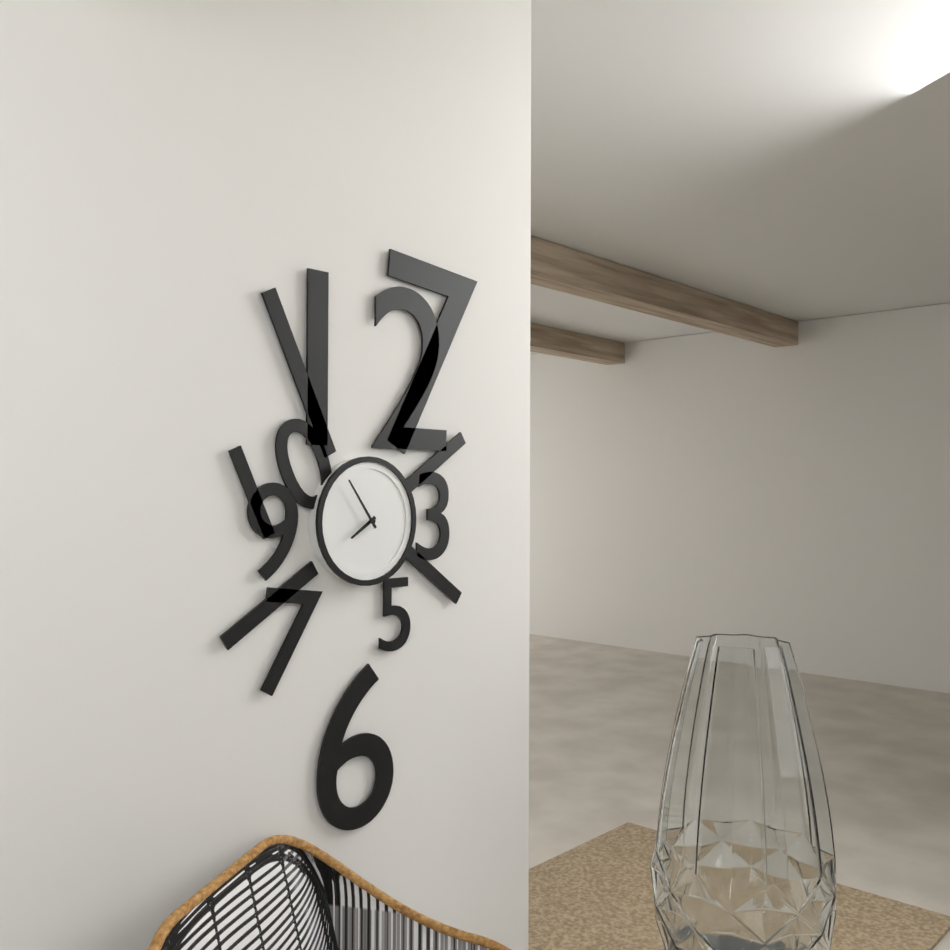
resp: 7,54
